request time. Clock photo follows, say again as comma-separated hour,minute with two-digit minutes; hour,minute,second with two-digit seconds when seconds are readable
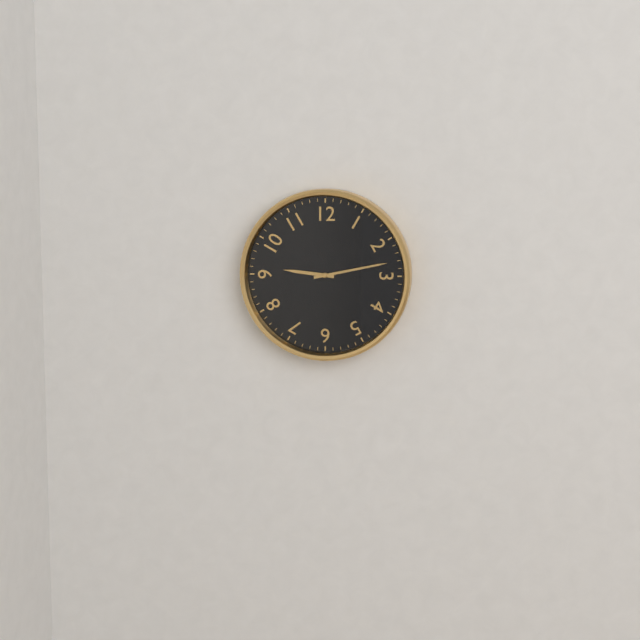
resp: 9,13
